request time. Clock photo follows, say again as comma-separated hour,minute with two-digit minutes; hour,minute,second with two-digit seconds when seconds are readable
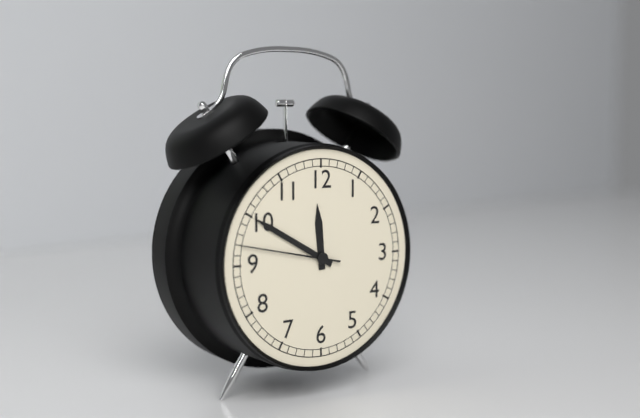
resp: 11,50,47
